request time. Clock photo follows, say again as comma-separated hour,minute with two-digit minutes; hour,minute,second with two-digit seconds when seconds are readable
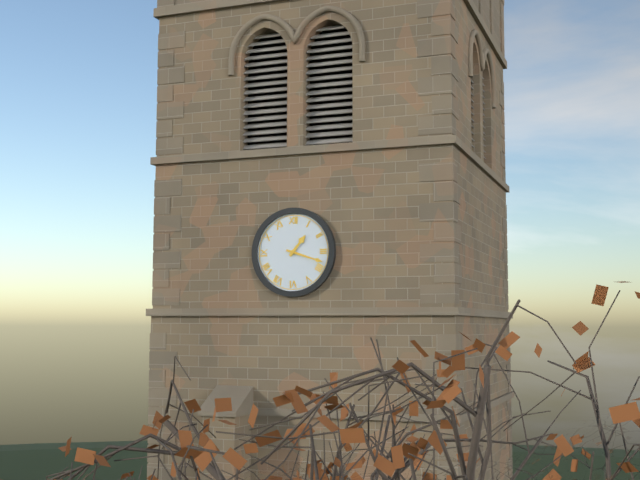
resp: 1,18
